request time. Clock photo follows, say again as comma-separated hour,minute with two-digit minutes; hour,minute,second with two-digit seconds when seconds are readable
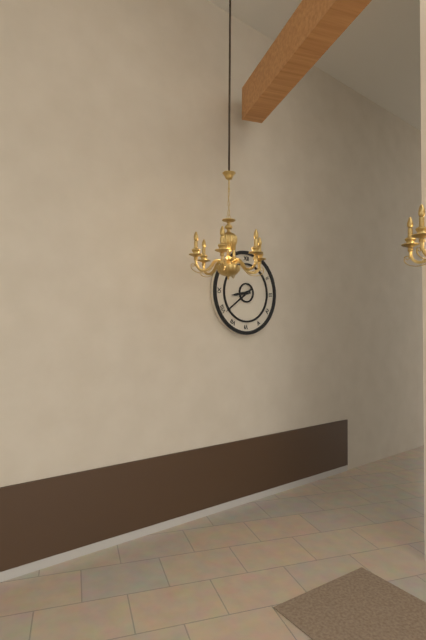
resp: 8,39
